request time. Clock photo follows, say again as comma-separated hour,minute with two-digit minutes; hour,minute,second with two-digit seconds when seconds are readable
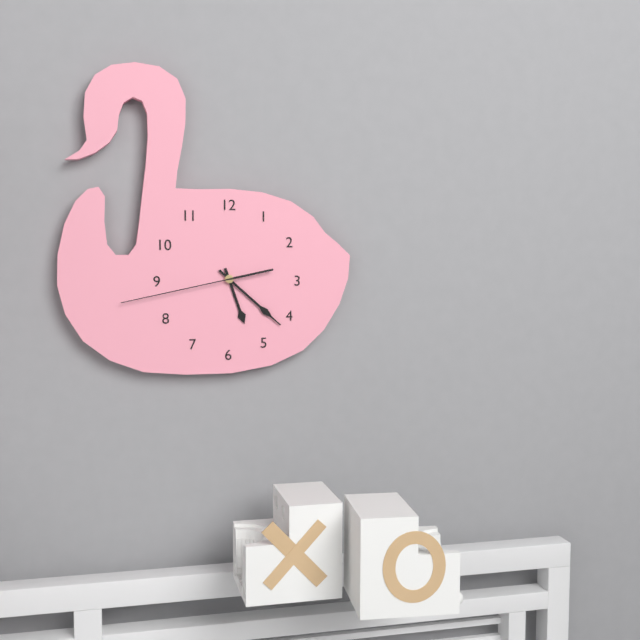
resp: 5,22,43
